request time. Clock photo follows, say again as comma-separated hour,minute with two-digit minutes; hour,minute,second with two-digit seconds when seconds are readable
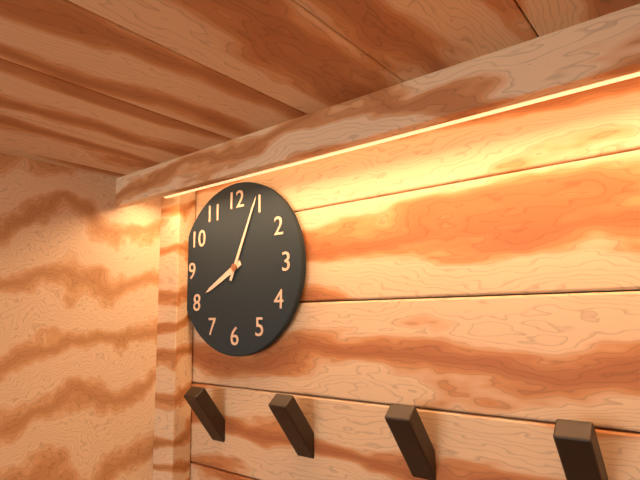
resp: 8,04
